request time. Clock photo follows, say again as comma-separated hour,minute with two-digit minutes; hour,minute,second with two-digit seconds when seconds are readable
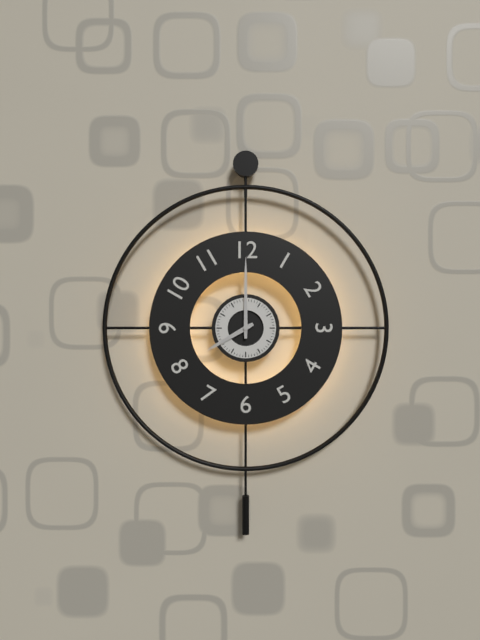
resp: 8,00
